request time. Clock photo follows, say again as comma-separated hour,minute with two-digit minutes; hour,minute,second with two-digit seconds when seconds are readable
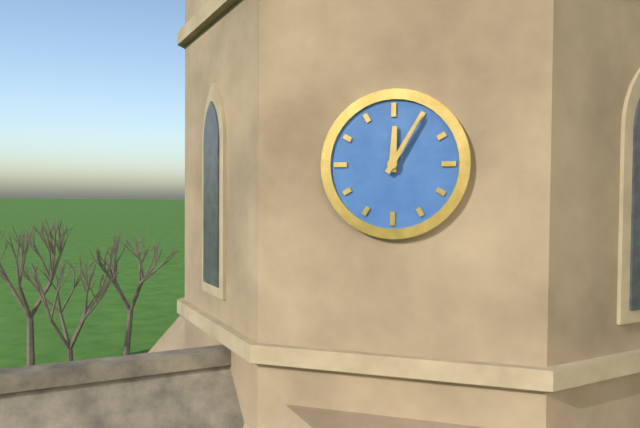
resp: 12,05
